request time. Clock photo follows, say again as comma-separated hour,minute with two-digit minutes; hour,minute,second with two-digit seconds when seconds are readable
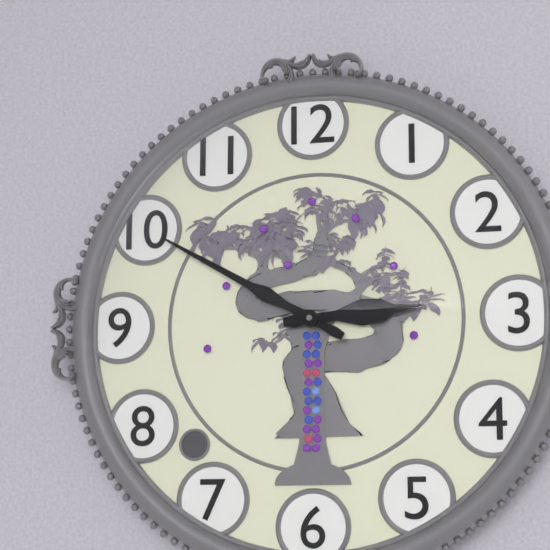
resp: 2,50
